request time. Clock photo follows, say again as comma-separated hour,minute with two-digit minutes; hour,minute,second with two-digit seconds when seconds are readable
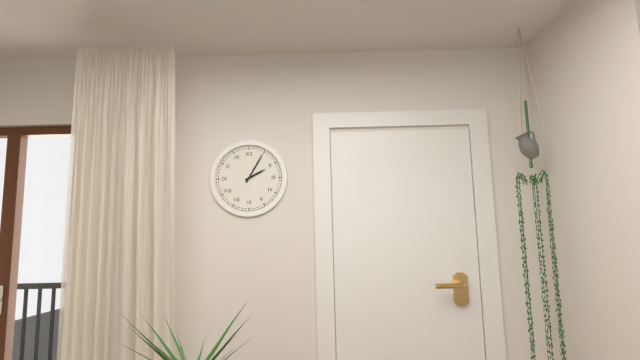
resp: 2,05
